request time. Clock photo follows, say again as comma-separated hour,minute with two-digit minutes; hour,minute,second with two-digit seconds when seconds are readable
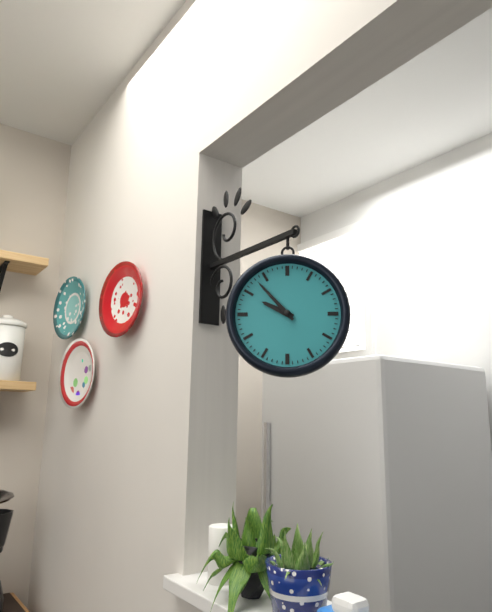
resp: 9,53
